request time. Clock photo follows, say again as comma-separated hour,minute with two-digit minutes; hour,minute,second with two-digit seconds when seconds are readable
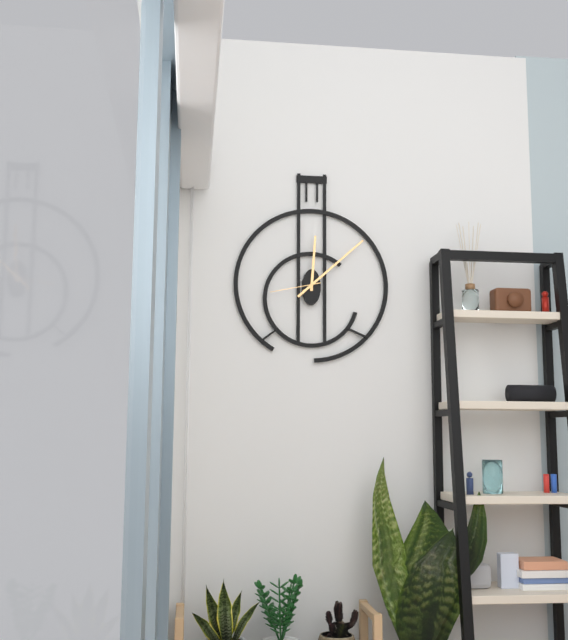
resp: 12,08,43
